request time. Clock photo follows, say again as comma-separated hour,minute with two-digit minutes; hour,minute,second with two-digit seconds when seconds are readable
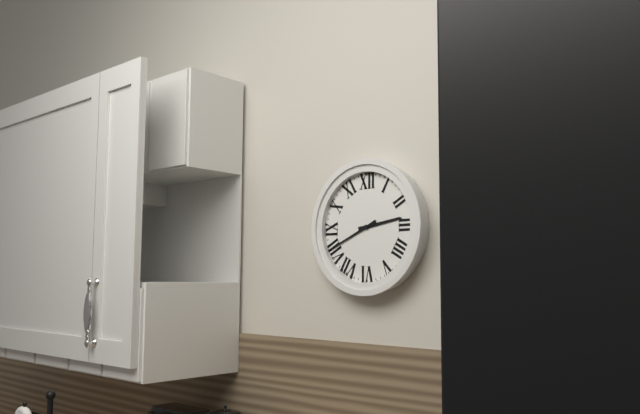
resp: 2,41
